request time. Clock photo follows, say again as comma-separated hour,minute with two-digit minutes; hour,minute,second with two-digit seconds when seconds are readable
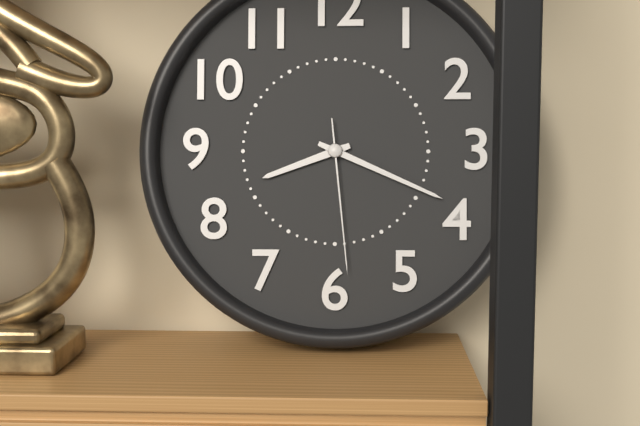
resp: 8,19,29
